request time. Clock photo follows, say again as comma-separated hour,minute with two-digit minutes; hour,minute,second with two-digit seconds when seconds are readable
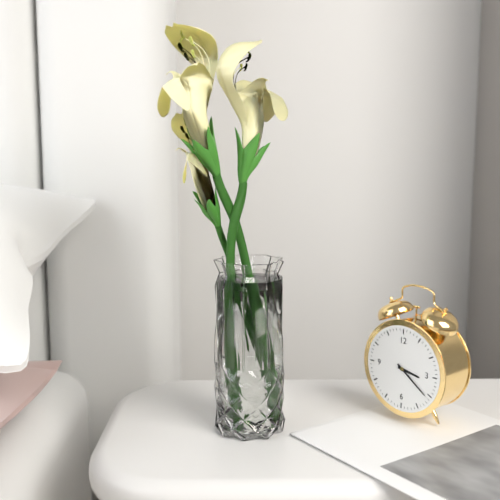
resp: 3,21
